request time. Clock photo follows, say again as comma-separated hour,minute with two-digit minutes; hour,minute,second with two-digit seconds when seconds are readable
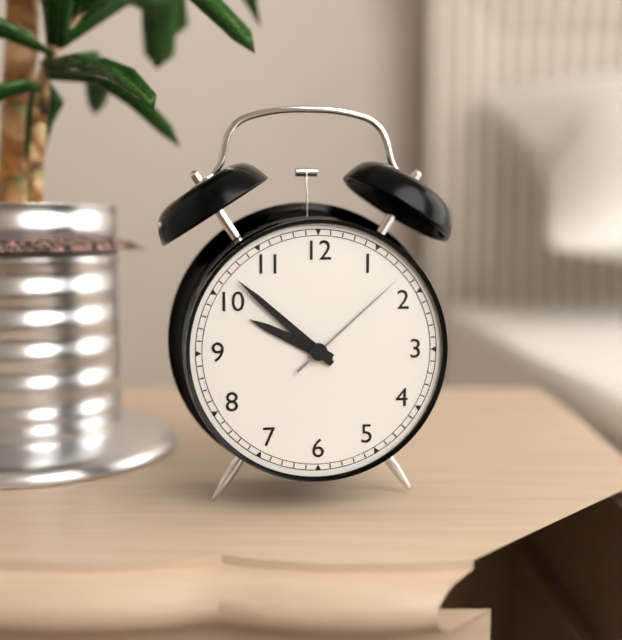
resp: 9,52,08
